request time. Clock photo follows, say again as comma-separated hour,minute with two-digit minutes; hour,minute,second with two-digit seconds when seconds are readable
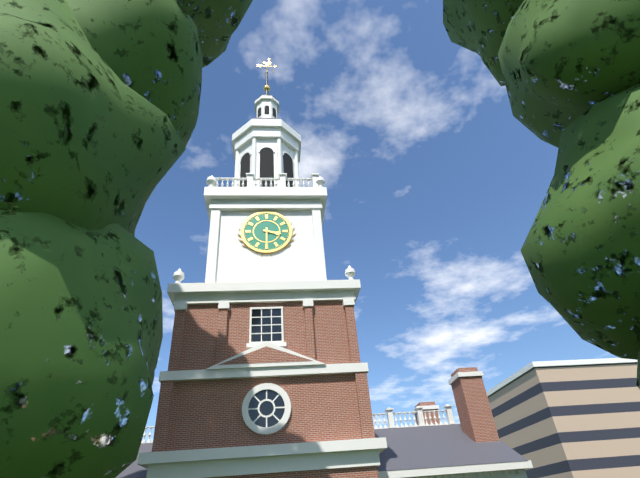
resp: 3,30
